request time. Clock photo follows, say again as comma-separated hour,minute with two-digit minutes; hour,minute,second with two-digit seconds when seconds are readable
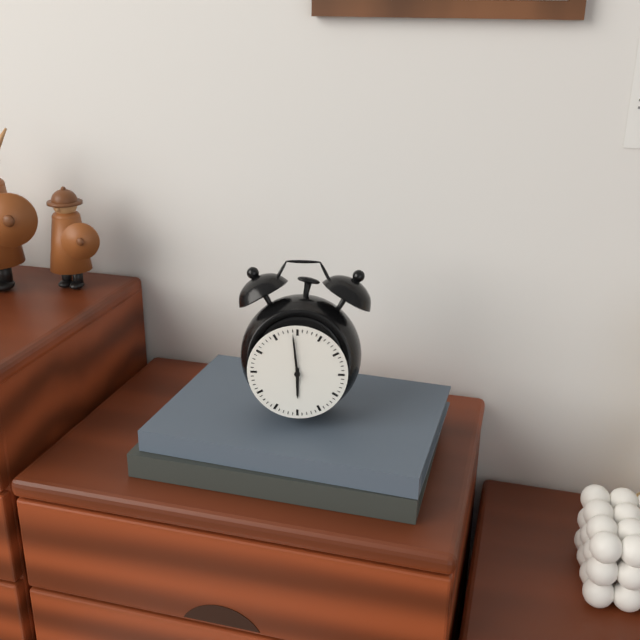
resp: 5,59
